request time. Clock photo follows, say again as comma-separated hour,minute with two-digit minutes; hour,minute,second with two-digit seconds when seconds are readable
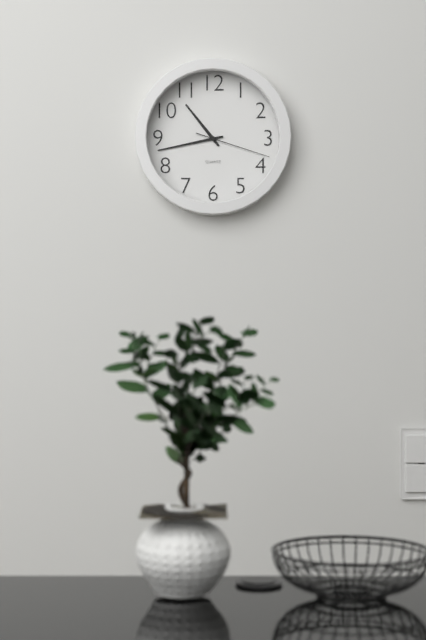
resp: 10,43,18
